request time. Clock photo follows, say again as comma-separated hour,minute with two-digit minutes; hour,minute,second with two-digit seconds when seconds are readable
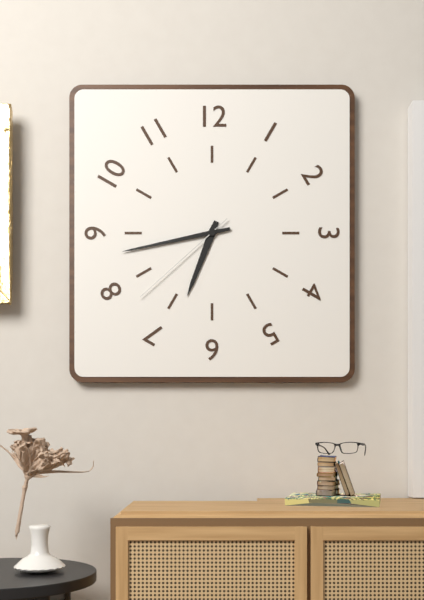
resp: 6,43,38
